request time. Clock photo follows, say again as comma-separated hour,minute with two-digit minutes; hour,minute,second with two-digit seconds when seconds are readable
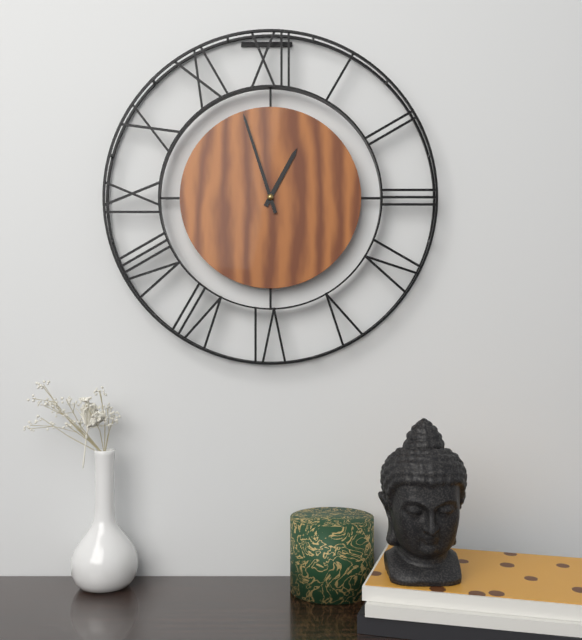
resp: 12,57
